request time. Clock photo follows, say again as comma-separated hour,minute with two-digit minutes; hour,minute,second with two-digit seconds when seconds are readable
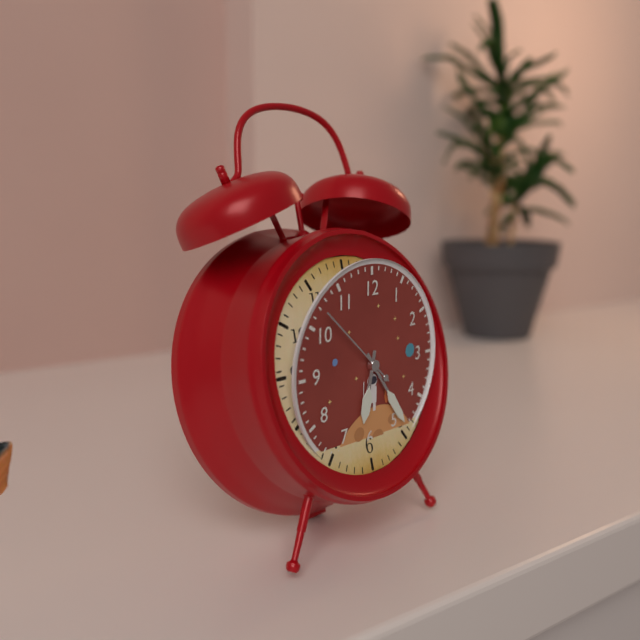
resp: 6,24,52
